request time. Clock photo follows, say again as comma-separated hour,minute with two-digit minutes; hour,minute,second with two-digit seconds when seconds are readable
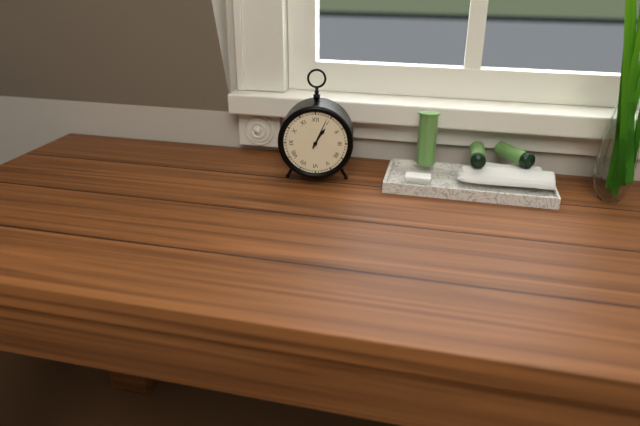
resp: 1,04
